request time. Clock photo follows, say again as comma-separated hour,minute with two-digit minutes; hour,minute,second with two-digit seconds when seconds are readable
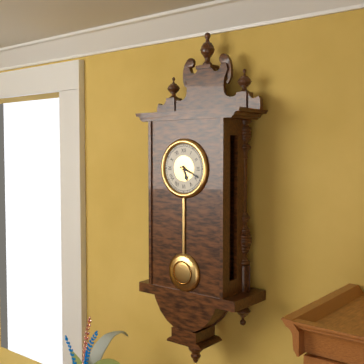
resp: 5,19
